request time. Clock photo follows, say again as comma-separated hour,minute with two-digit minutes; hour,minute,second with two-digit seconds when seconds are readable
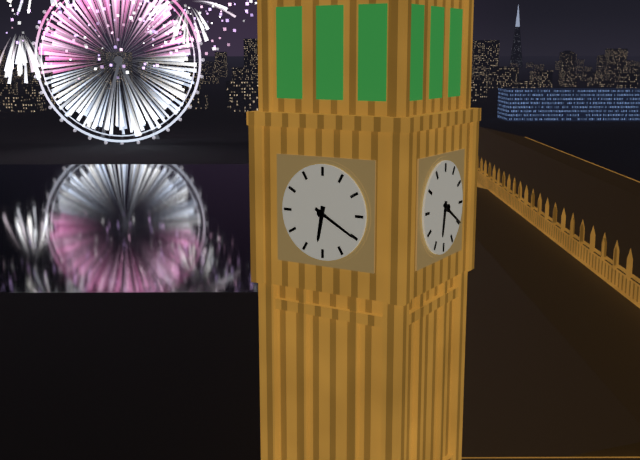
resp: 6,20
